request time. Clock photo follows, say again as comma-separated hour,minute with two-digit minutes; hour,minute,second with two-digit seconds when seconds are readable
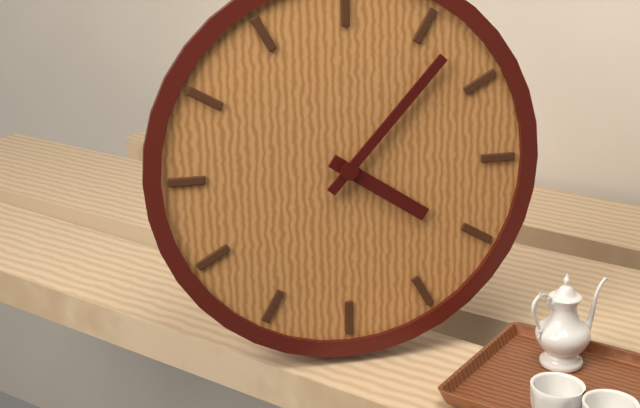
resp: 4,07
